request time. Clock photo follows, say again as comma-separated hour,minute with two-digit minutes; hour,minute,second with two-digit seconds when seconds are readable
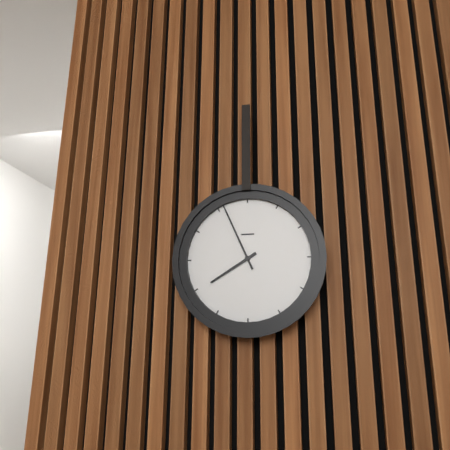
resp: 7,56
